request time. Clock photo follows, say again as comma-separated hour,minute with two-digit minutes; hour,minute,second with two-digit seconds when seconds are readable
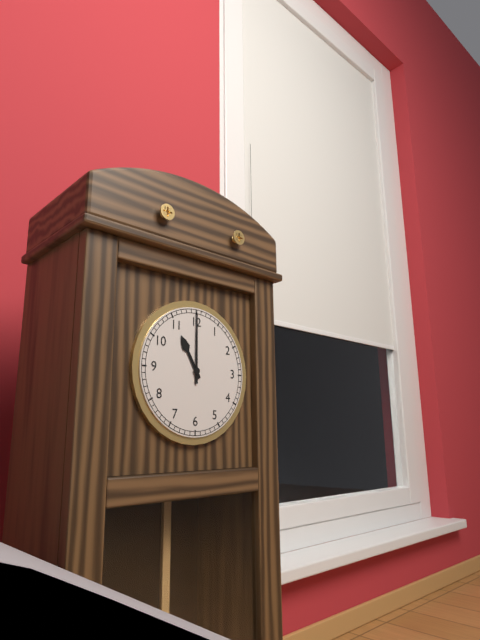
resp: 11,00
